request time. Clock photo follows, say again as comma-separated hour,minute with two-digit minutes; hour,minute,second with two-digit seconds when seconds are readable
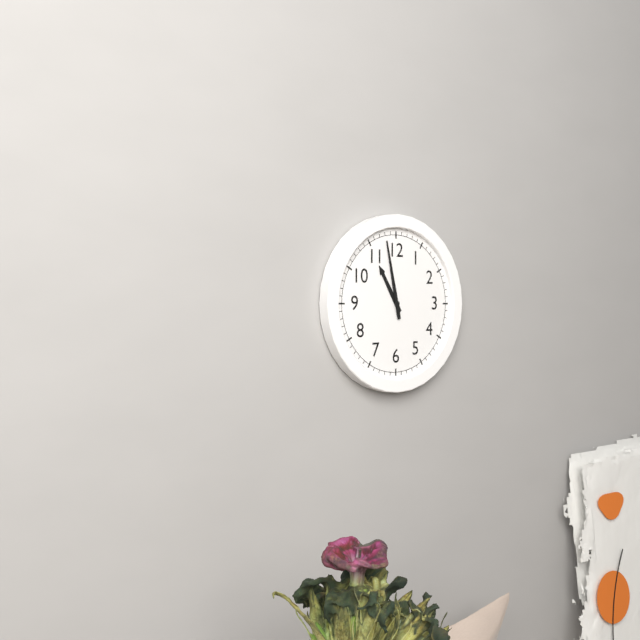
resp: 10,58
